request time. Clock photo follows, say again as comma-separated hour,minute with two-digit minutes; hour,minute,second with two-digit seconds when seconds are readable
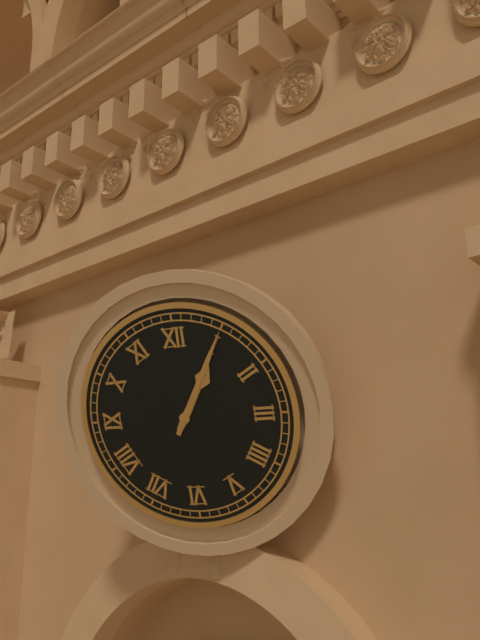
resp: 1,05
